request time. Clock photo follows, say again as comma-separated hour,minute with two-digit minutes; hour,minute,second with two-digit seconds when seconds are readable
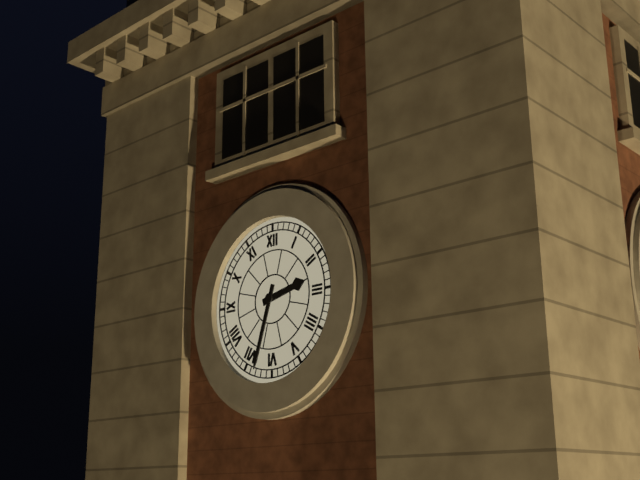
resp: 2,33
